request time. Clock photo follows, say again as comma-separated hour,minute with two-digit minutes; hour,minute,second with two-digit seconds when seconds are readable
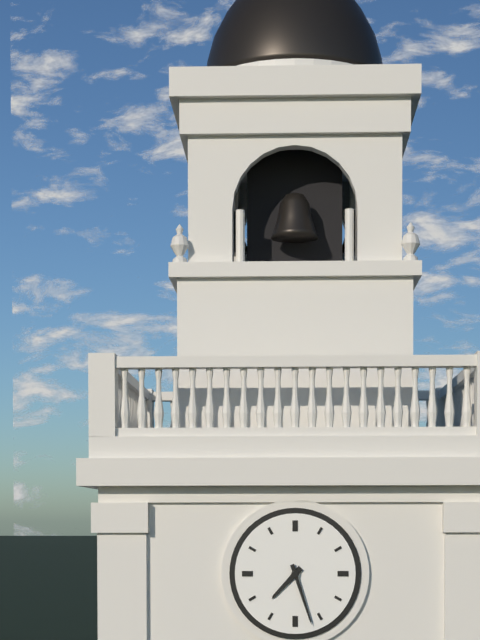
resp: 7,27
